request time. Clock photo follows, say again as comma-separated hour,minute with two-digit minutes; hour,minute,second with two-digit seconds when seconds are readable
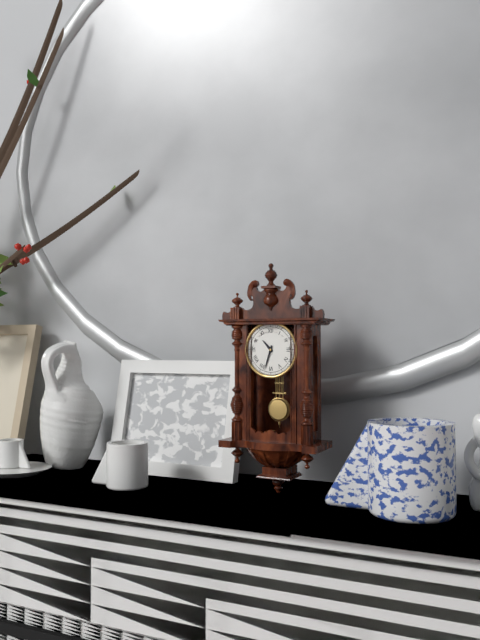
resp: 10,33
